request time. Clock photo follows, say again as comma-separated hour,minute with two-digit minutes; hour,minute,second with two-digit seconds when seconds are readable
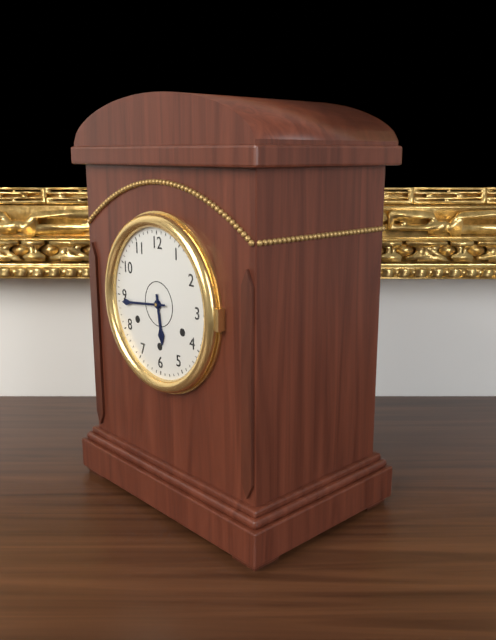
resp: 5,44
